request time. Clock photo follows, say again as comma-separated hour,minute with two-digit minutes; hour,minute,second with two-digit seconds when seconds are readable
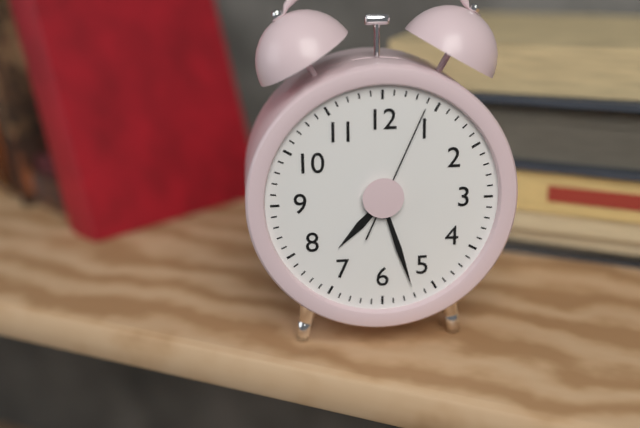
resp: 7,27,04
